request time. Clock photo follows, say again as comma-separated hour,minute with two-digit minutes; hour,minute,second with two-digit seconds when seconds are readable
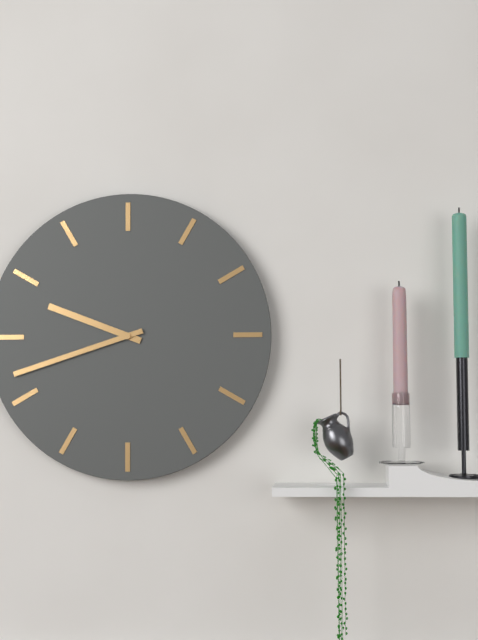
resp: 9,42
